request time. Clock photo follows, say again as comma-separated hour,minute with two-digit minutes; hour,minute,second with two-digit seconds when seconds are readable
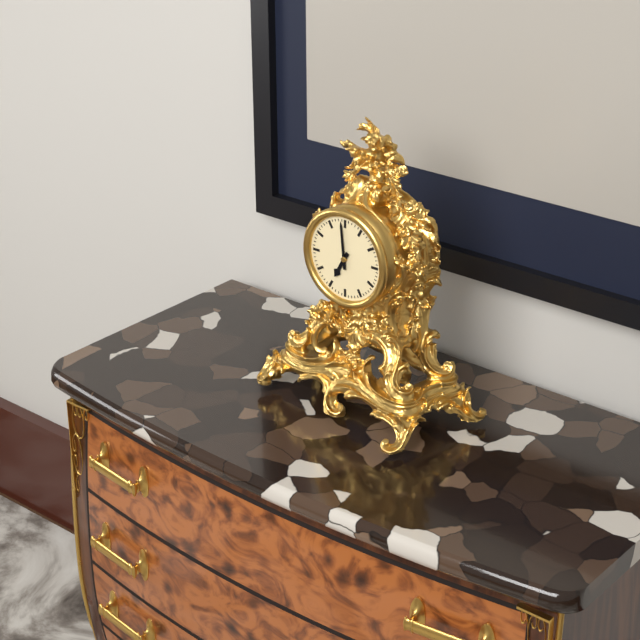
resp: 6,59
